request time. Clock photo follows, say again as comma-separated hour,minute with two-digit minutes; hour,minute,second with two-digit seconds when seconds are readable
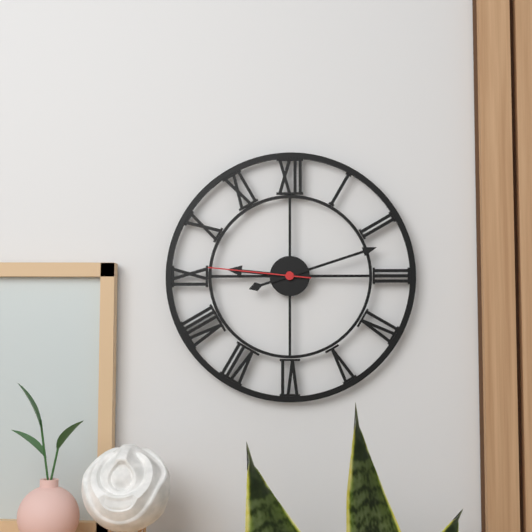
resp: 9,12,46
